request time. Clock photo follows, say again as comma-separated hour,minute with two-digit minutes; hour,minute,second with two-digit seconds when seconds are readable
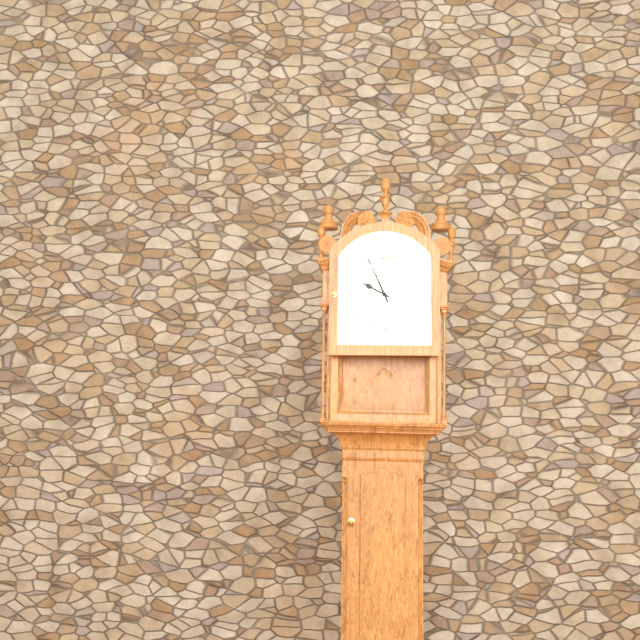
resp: 9,56
